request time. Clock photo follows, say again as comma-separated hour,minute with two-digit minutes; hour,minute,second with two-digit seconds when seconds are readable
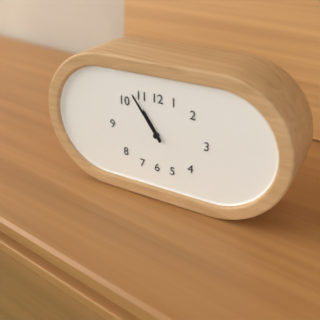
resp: 10,54
